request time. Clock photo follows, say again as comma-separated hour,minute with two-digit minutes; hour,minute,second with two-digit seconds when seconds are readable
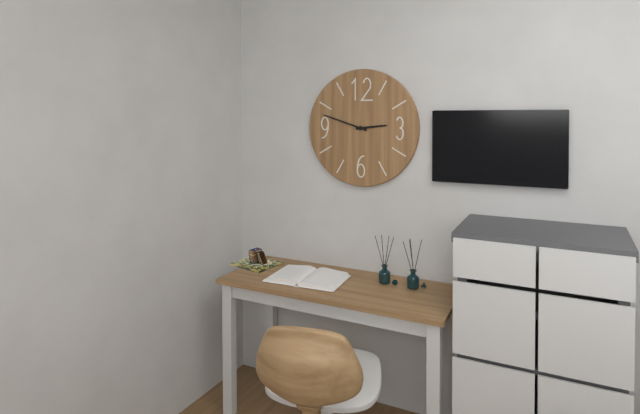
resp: 2,48
